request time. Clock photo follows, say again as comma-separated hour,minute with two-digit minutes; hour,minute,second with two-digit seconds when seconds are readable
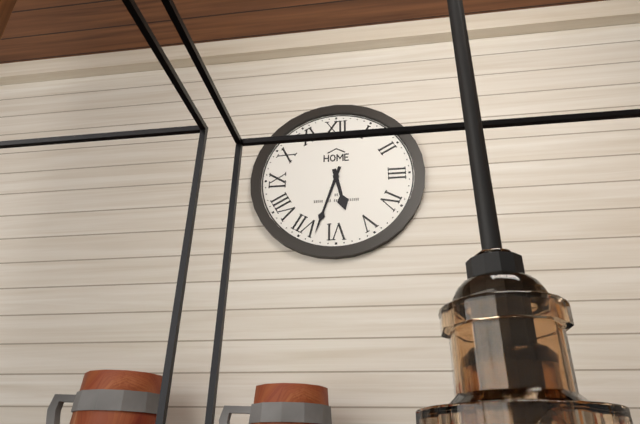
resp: 5,33
